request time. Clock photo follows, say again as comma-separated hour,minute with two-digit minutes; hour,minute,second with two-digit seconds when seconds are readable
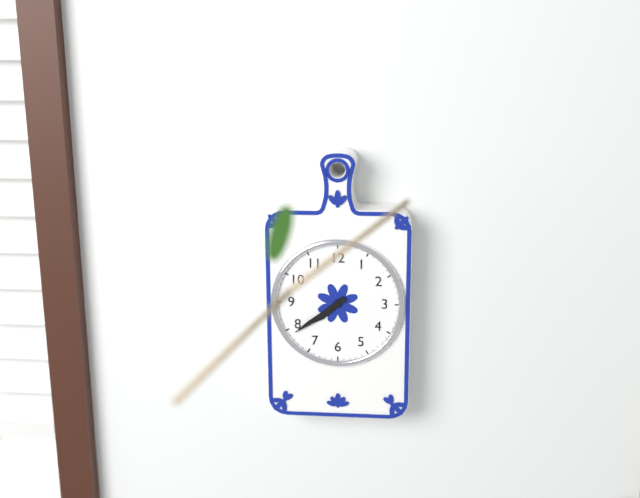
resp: 7,39
